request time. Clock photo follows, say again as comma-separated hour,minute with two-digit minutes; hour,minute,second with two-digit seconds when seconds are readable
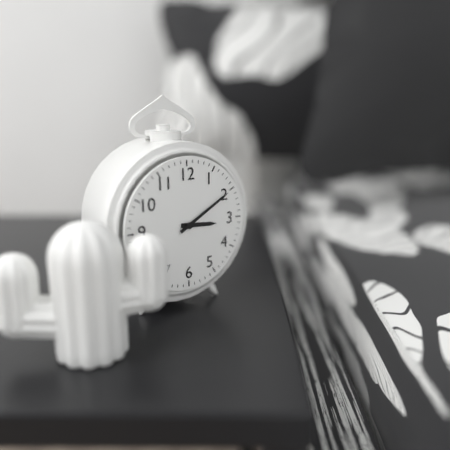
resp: 3,10
